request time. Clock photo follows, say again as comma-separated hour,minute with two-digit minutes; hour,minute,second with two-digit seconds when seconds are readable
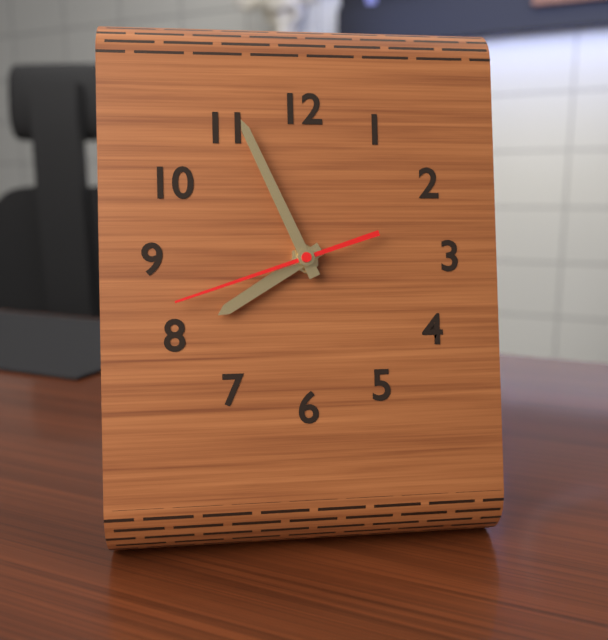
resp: 7,56,42
